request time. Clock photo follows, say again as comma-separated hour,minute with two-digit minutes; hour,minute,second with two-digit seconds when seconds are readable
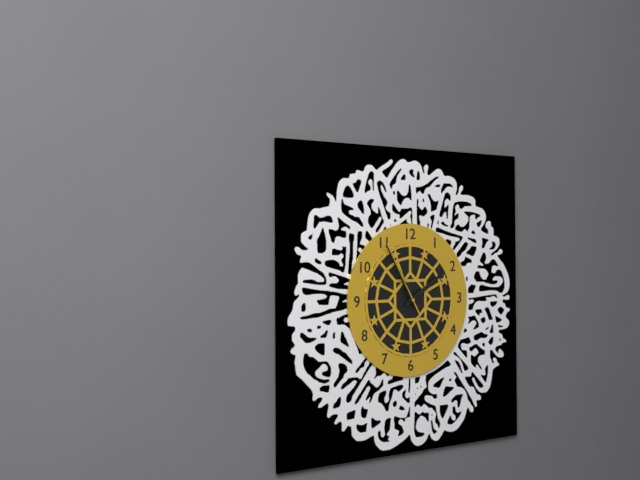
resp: 1,55,55
